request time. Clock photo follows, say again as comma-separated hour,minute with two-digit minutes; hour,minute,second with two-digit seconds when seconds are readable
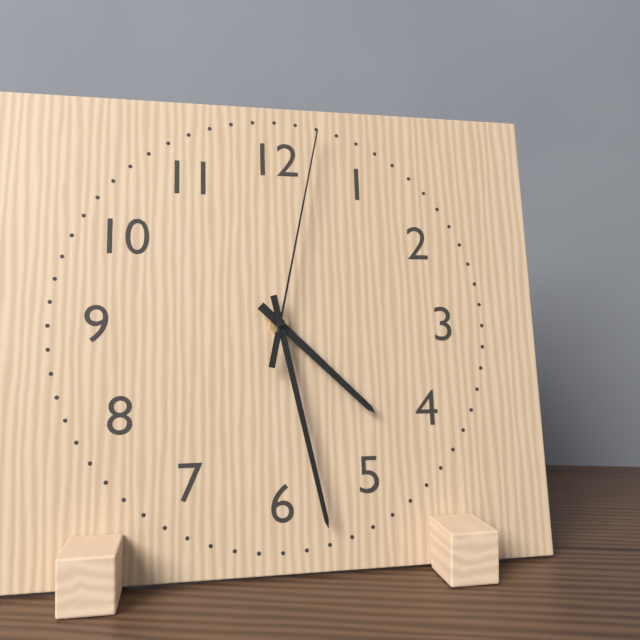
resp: 4,28,02
